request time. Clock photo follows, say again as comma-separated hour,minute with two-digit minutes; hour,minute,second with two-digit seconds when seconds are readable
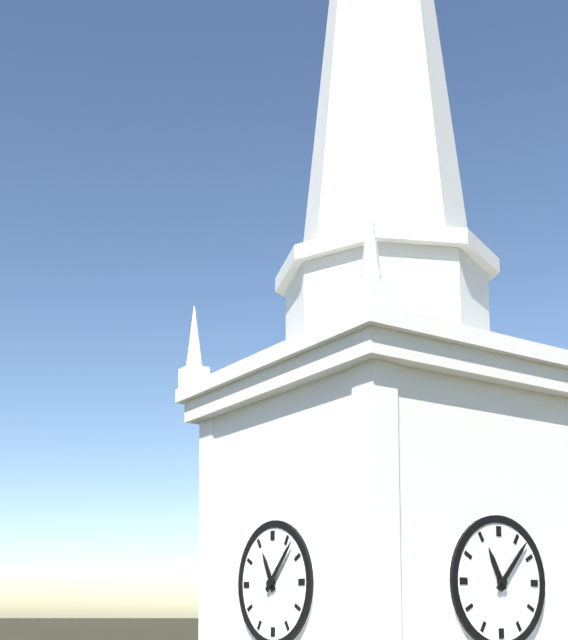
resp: 11,07
